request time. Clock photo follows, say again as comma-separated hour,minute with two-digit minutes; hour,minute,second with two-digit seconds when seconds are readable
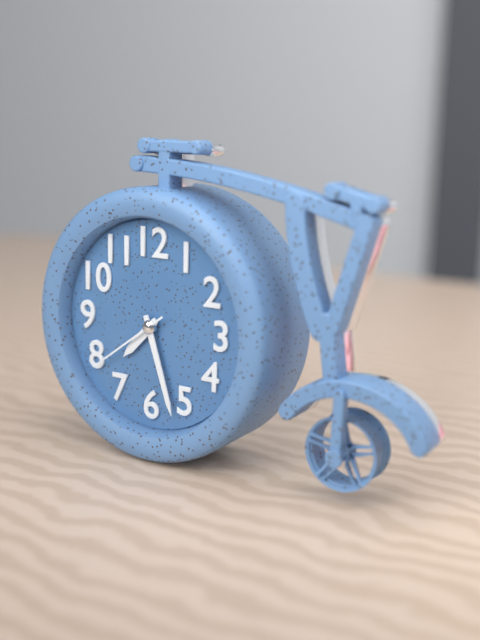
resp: 7,27,39
